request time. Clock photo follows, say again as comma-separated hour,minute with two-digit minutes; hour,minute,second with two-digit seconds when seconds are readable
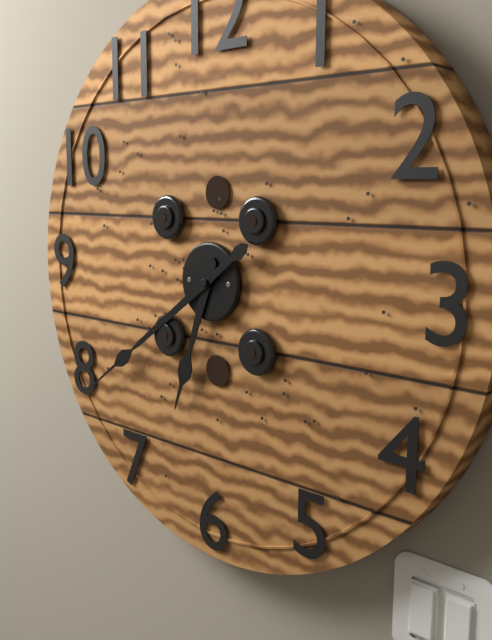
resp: 6,39
